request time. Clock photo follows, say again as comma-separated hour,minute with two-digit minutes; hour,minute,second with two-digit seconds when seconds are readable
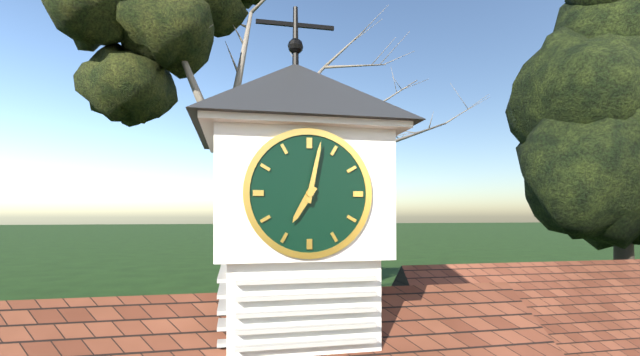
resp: 7,02
